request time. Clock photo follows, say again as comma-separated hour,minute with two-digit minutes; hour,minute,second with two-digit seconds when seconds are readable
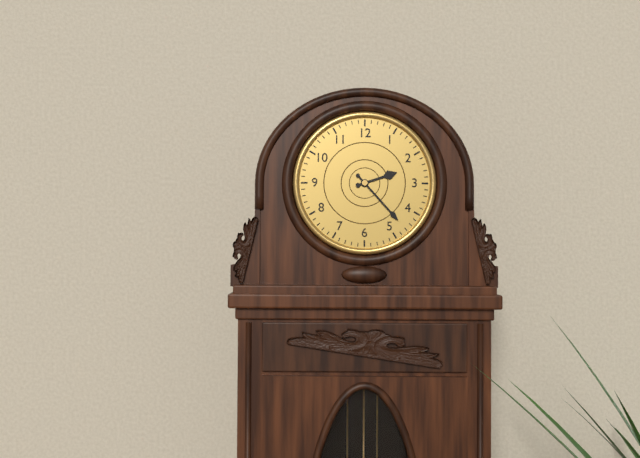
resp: 2,23
